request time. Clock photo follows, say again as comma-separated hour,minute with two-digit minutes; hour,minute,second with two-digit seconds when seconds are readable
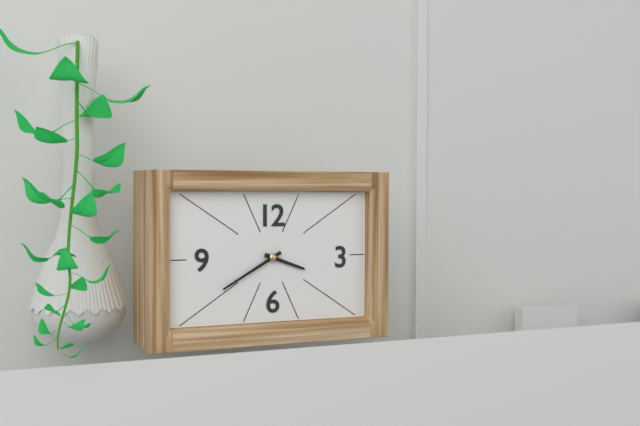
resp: 3,40
